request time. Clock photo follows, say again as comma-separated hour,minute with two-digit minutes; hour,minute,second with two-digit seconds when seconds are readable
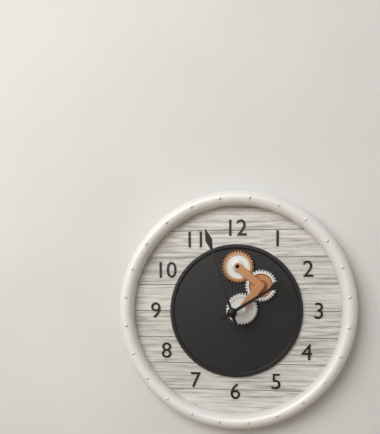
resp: 1,57
